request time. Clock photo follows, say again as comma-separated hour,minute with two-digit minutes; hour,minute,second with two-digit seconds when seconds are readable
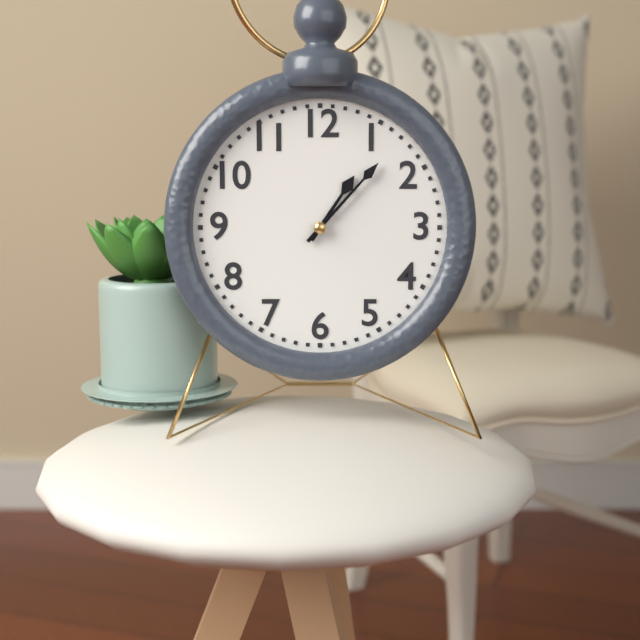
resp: 1,07
